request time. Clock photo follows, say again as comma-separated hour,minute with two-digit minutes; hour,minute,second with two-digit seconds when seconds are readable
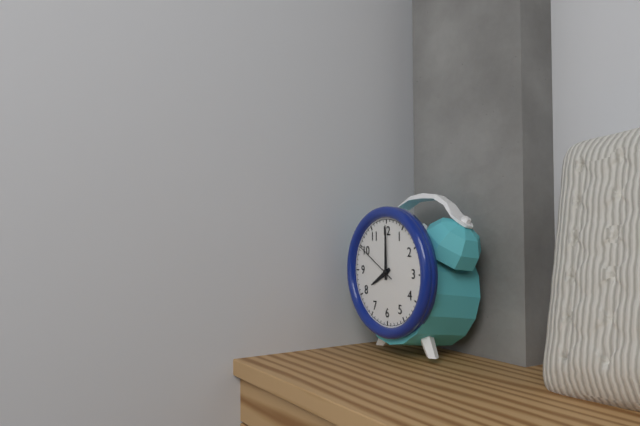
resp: 8,00
